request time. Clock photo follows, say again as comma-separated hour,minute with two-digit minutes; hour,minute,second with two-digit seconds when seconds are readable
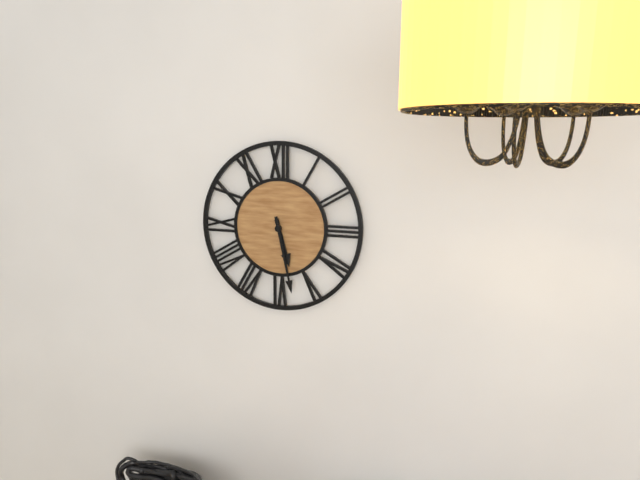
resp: 5,28
